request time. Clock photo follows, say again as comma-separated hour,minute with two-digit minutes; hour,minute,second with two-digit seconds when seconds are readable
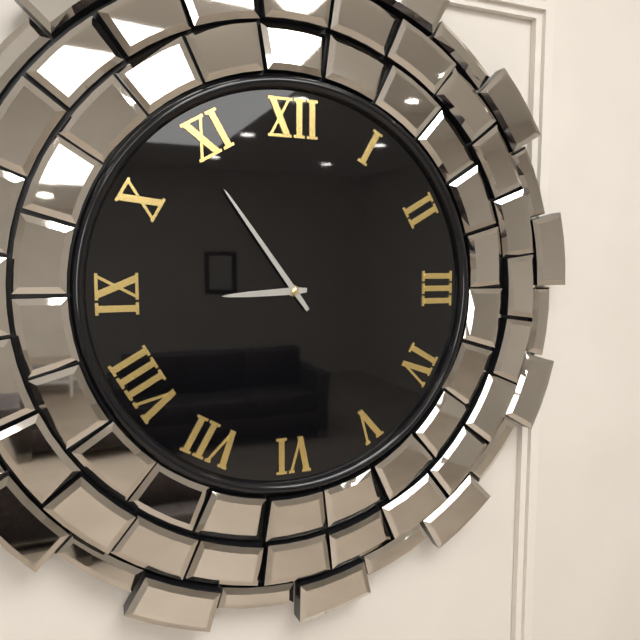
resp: 8,54
